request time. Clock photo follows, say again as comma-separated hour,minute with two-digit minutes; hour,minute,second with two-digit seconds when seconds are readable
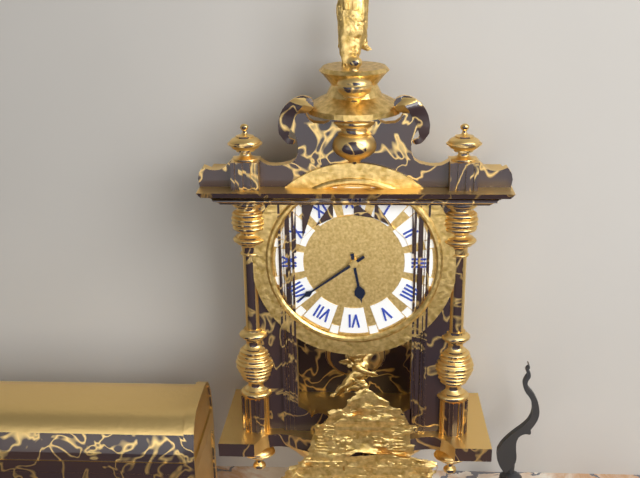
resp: 5,39
